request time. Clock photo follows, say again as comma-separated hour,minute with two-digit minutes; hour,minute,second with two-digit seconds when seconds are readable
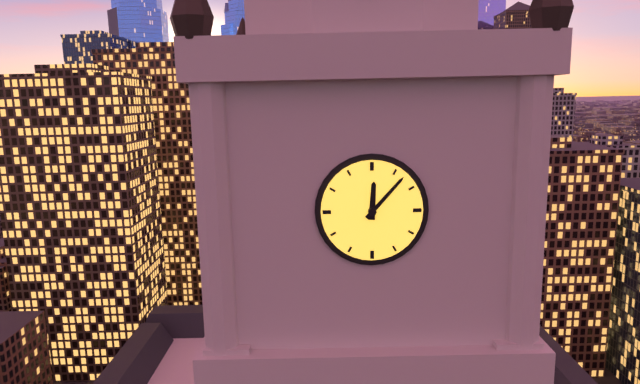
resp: 12,07
